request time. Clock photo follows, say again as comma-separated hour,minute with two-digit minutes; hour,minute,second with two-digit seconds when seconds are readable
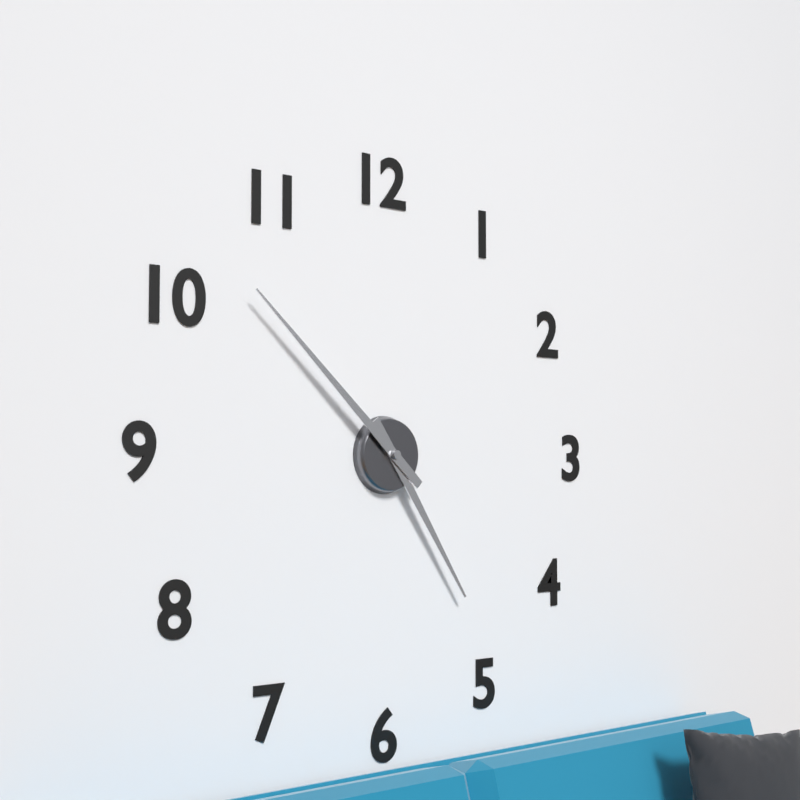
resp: 4,52
